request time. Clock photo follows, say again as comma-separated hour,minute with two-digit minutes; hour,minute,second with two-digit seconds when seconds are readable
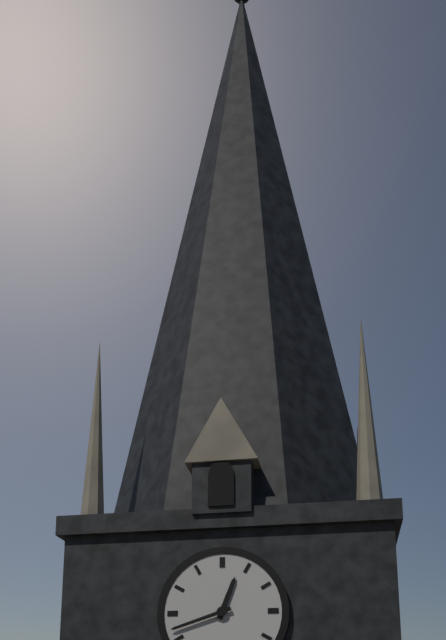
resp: 12,42
